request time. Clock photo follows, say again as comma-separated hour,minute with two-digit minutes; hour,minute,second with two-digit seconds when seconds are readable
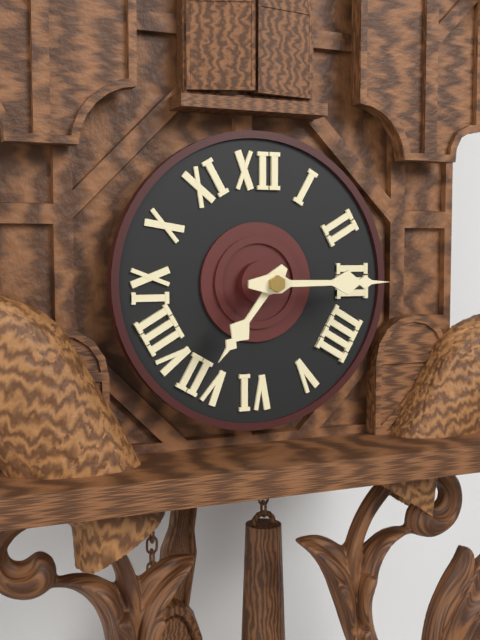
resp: 7,15
